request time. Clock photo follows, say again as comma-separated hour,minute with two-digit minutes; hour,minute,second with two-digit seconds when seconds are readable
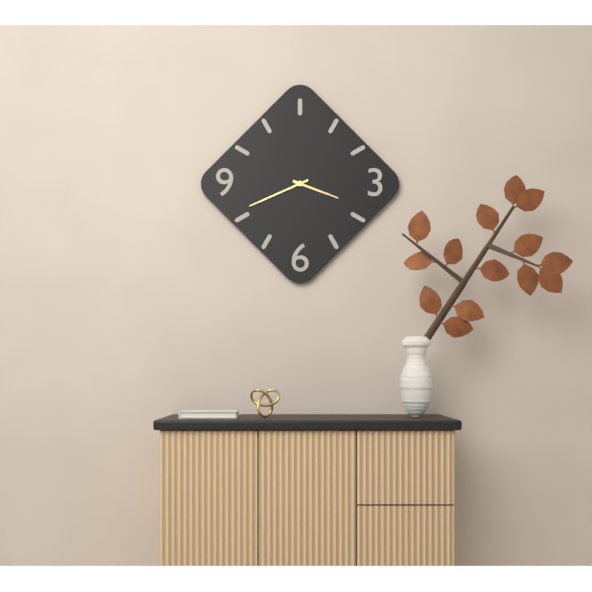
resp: 3,41
